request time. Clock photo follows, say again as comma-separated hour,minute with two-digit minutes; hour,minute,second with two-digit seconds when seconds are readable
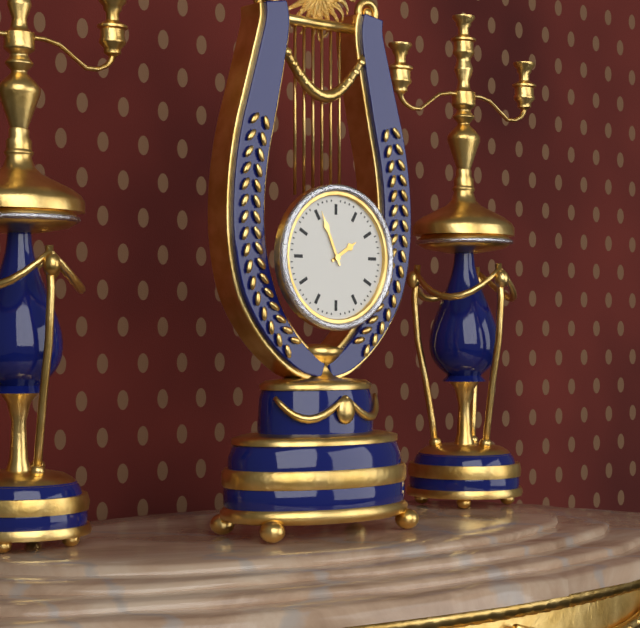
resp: 1,56
